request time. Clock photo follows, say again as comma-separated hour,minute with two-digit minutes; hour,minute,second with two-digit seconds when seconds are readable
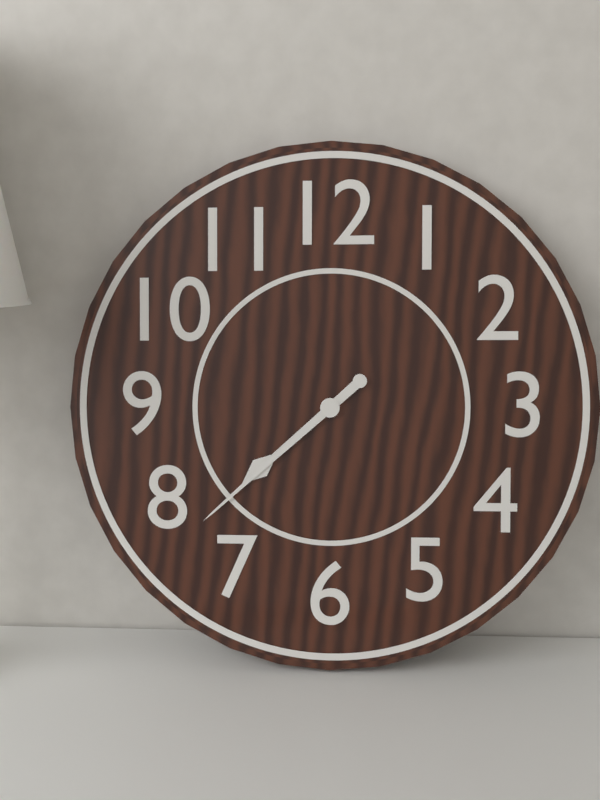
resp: 7,38
